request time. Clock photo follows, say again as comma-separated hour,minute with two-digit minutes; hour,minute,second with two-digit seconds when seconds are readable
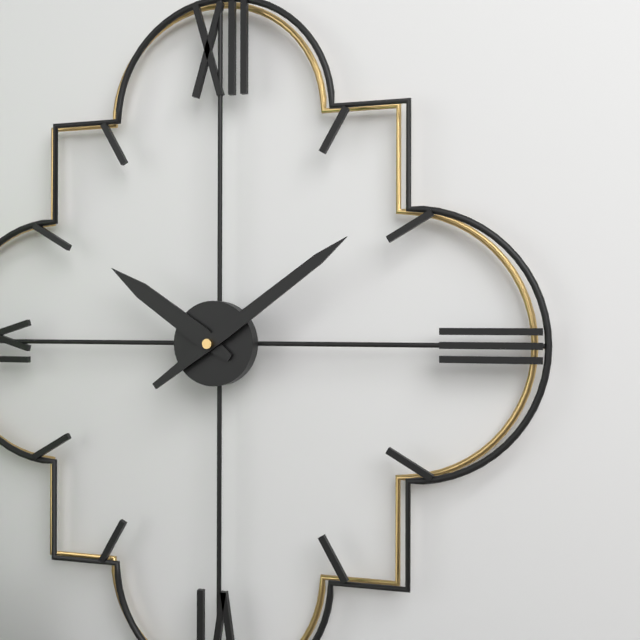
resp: 10,09
